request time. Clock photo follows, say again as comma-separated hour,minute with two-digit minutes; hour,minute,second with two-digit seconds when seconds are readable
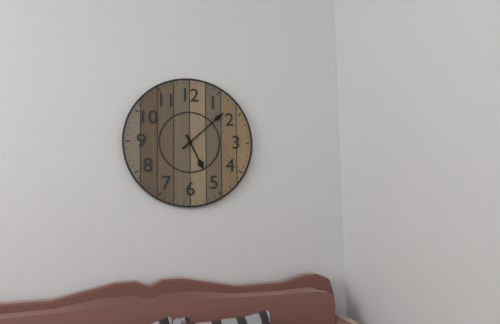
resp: 5,08
